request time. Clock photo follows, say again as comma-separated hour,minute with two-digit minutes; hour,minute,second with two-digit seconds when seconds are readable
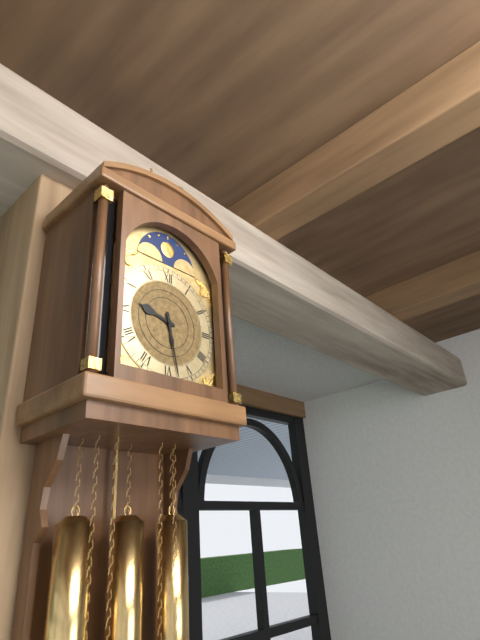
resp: 9,28
